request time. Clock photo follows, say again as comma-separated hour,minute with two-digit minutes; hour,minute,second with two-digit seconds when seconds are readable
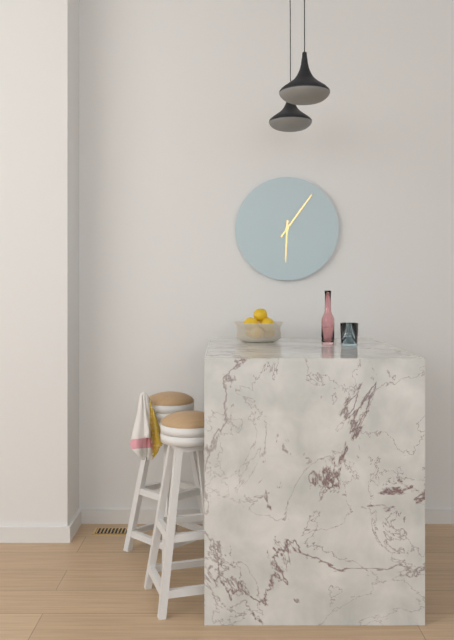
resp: 6,06
